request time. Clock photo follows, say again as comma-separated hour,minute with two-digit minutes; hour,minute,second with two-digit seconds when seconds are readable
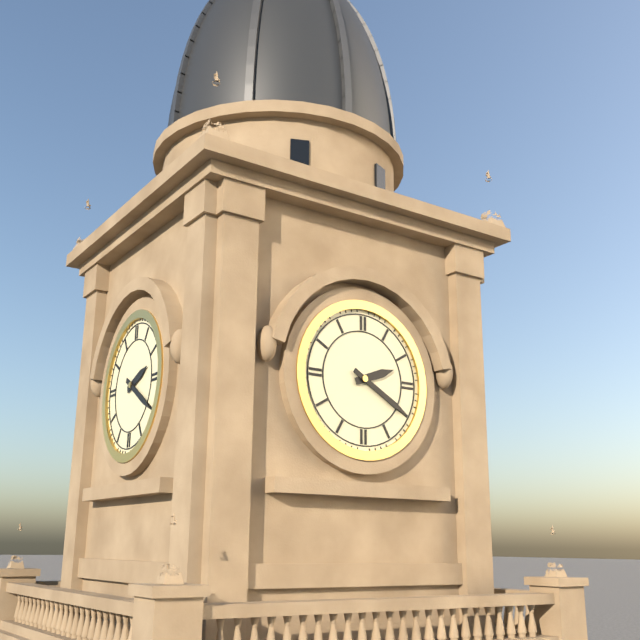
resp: 2,20
